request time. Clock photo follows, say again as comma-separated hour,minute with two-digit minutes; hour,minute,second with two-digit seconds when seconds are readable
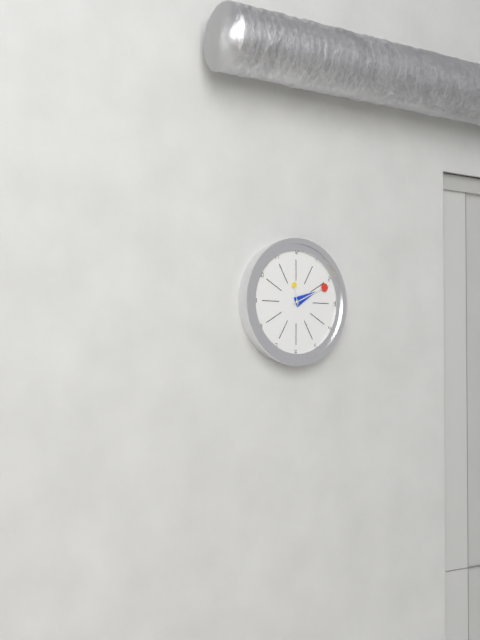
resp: 2,11
